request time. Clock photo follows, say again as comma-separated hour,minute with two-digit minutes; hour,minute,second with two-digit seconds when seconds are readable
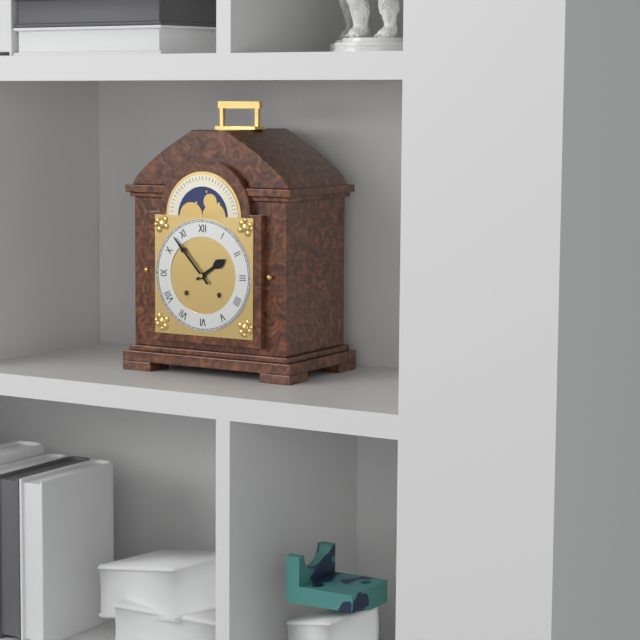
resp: 1,53
